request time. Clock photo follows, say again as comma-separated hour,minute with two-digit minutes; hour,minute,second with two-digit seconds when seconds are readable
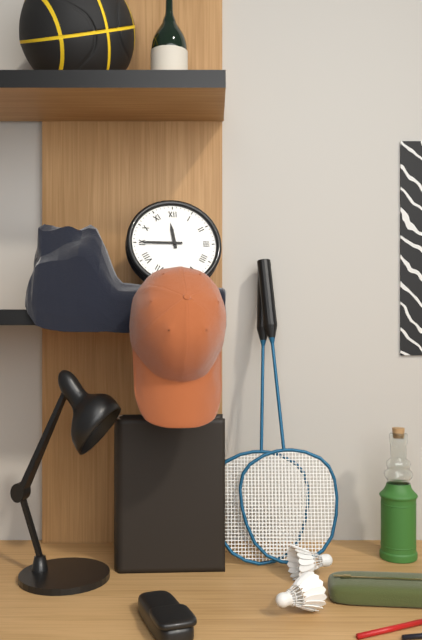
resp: 11,45
